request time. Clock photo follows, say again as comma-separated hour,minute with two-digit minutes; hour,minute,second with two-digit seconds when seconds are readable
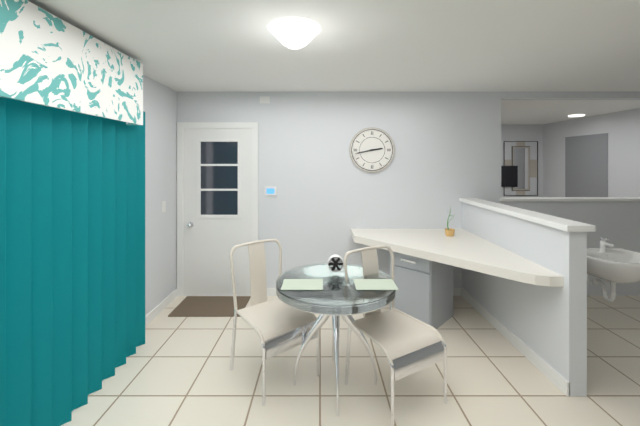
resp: 2,43
